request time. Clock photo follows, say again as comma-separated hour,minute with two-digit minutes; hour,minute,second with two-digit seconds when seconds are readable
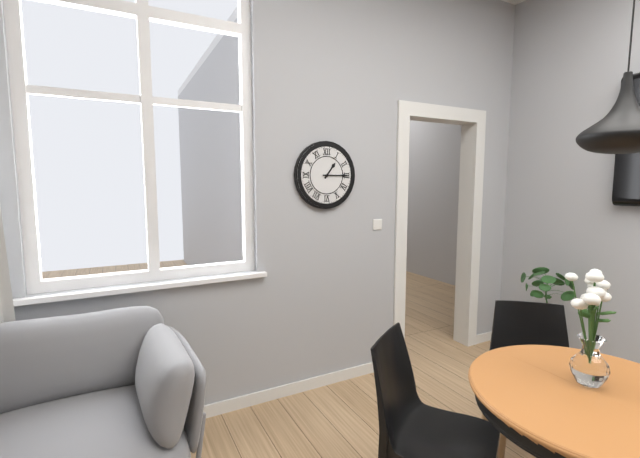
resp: 1,15
